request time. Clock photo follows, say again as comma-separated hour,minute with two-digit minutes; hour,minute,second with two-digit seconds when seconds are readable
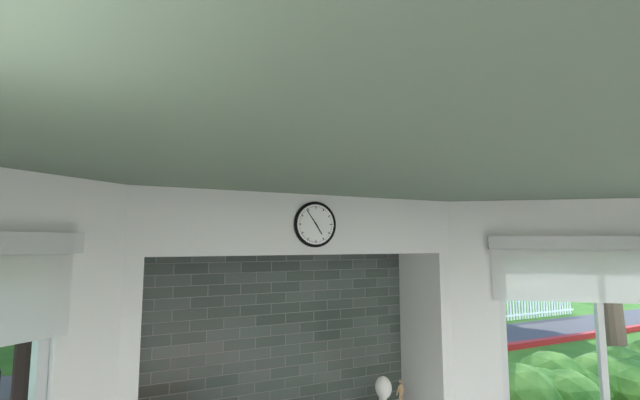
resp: 4,54
